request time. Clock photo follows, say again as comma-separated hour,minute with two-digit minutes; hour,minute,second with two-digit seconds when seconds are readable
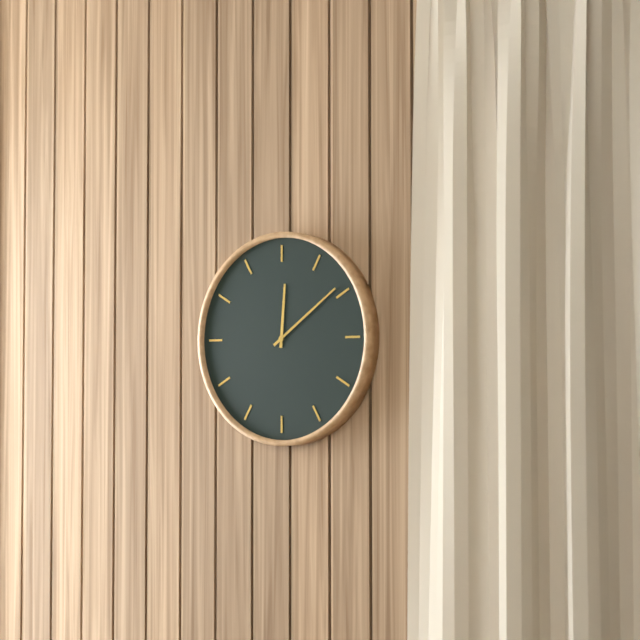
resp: 12,09
